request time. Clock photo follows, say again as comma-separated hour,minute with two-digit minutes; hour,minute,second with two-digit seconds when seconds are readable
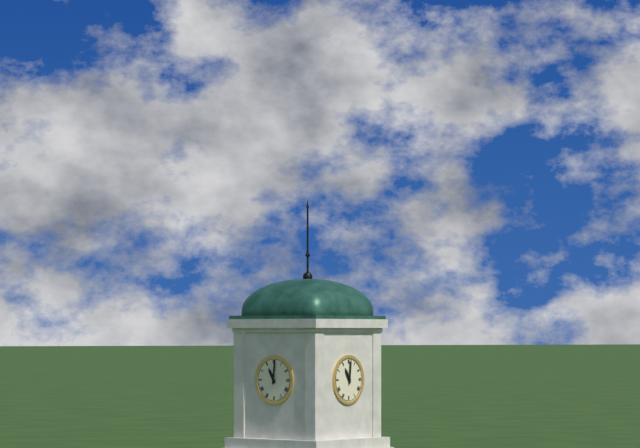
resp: 11,01
